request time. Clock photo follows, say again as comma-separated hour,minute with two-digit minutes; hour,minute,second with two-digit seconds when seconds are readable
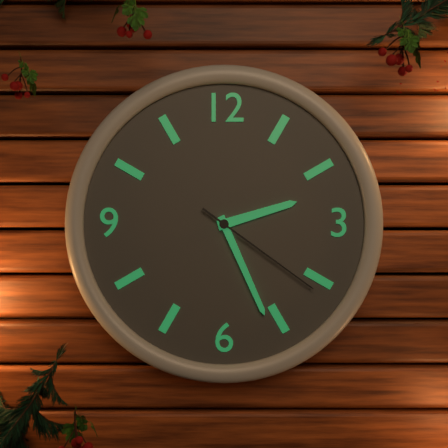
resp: 2,26,21
